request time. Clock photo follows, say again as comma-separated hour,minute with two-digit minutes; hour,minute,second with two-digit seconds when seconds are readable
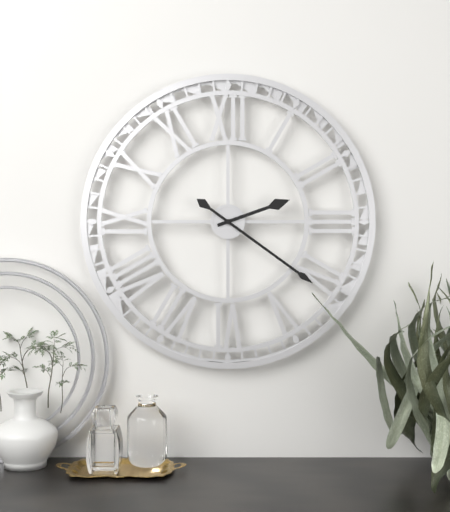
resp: 2,21
